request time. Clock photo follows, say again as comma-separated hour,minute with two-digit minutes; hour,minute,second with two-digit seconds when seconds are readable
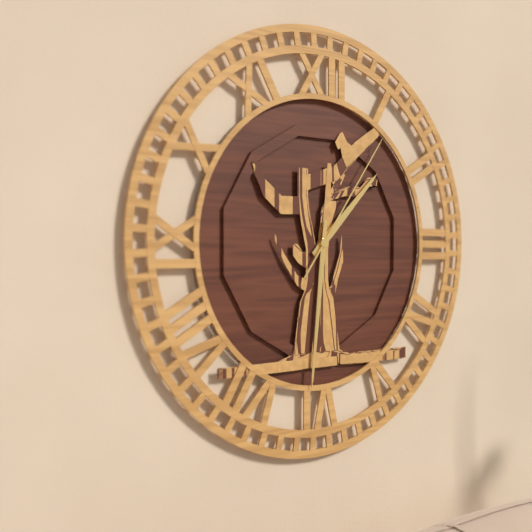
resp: 1,31,06
